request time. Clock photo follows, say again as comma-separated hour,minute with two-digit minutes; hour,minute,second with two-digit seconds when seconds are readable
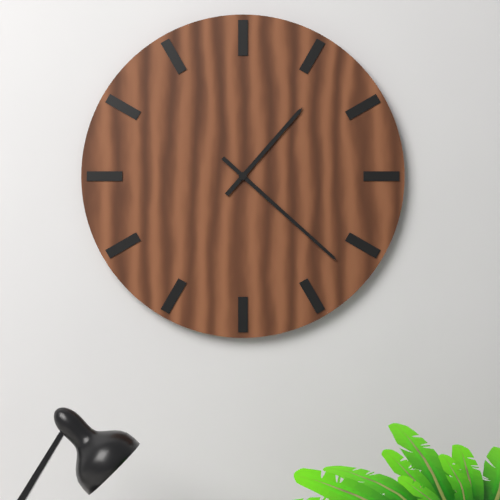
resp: 1,22
